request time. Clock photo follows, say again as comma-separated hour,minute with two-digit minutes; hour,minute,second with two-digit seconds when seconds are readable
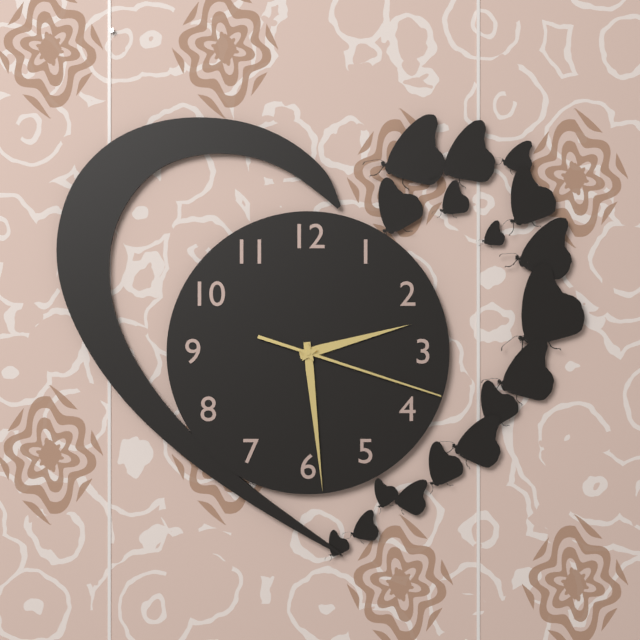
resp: 2,29,18
